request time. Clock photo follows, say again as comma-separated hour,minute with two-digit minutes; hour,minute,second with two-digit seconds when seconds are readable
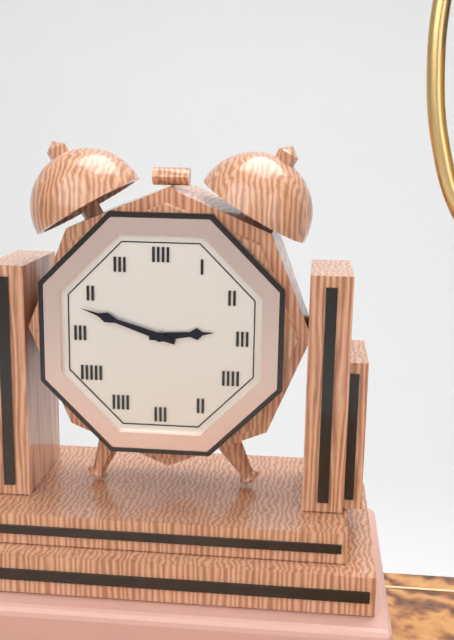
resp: 2,48
